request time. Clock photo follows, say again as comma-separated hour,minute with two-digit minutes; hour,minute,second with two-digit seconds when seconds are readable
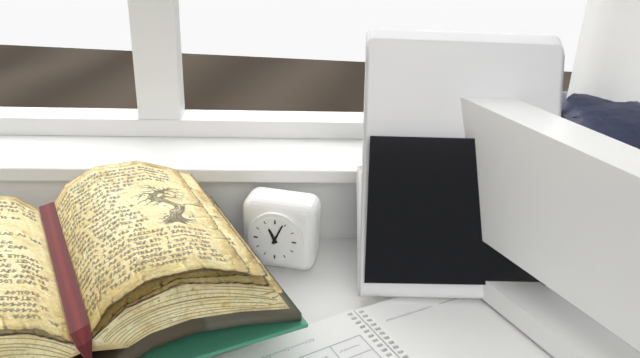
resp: 11,04
